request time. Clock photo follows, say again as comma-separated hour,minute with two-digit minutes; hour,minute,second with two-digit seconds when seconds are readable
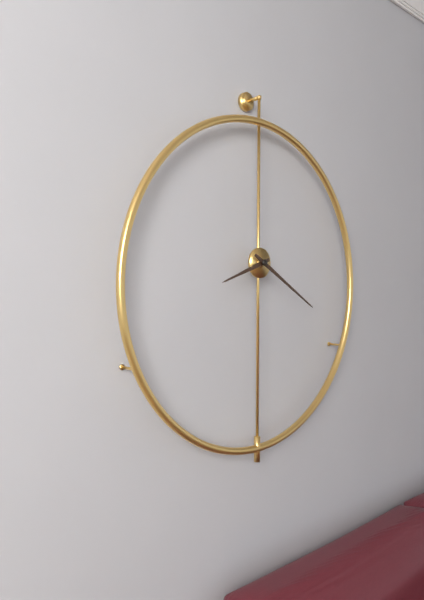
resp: 8,20
